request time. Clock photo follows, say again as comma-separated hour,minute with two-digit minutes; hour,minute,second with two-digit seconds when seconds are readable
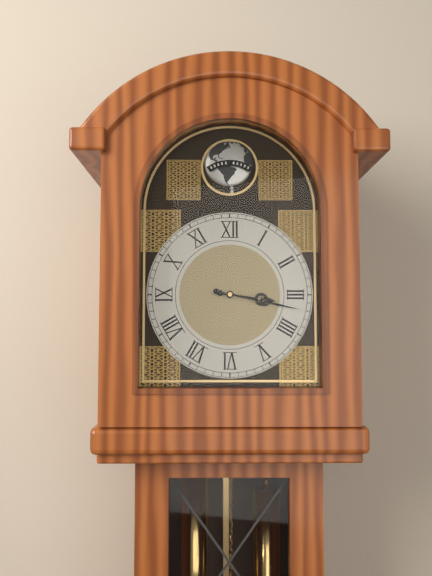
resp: 3,17
